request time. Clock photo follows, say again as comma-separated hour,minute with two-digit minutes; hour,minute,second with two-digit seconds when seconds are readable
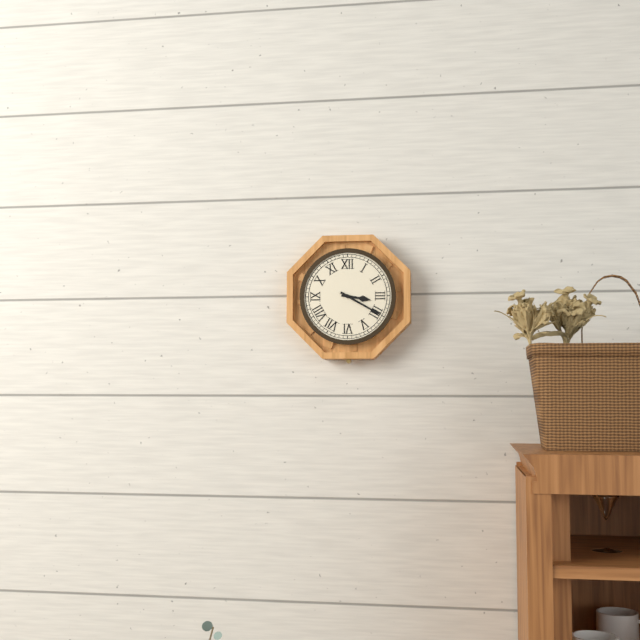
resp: 3,20
